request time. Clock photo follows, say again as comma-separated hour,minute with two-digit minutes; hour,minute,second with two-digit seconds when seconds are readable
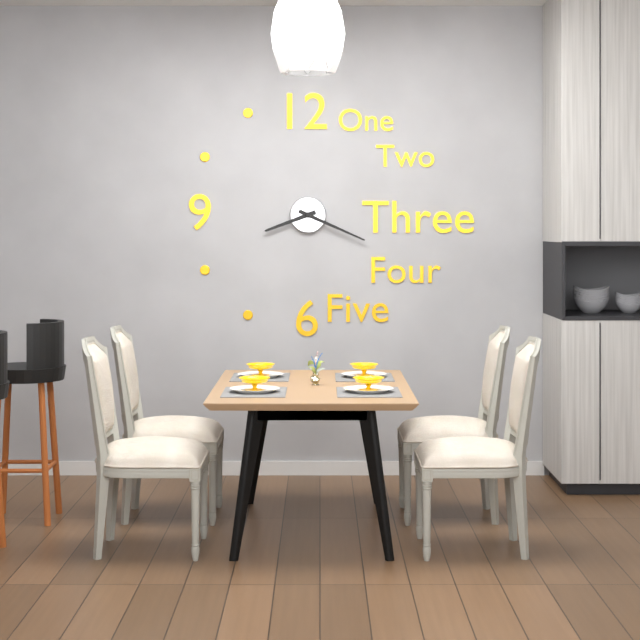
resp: 8,19
